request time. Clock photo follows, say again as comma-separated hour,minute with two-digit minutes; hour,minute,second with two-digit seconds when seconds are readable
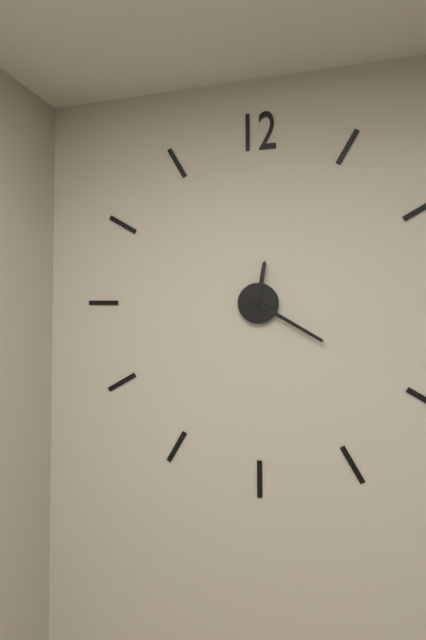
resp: 12,20
